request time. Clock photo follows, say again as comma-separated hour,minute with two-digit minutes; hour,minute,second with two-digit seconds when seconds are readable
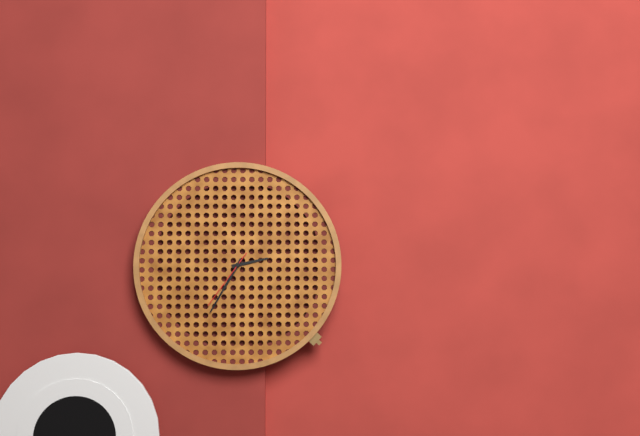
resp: 2,35,36
